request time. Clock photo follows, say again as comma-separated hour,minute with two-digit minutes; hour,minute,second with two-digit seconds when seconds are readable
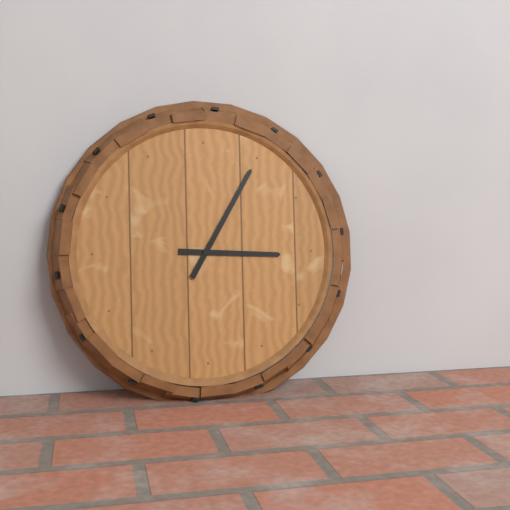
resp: 3,05
